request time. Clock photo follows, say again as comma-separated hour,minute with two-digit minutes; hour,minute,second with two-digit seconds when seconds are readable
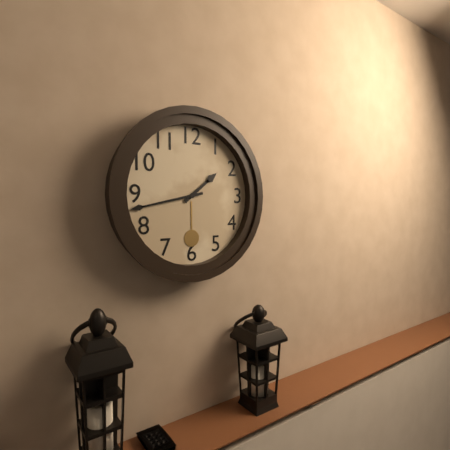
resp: 1,43
